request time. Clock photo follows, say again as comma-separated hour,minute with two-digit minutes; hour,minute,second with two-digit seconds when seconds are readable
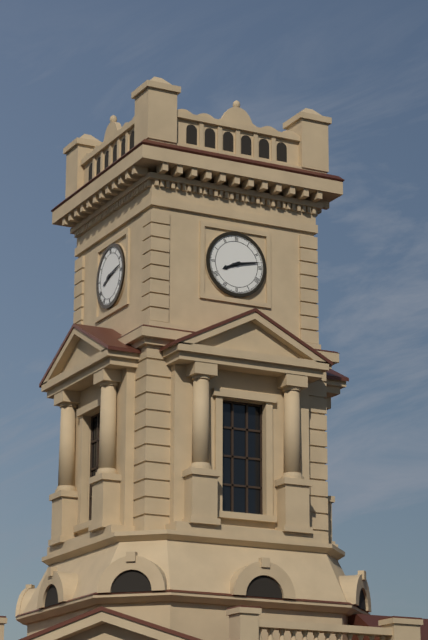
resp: 8,13
